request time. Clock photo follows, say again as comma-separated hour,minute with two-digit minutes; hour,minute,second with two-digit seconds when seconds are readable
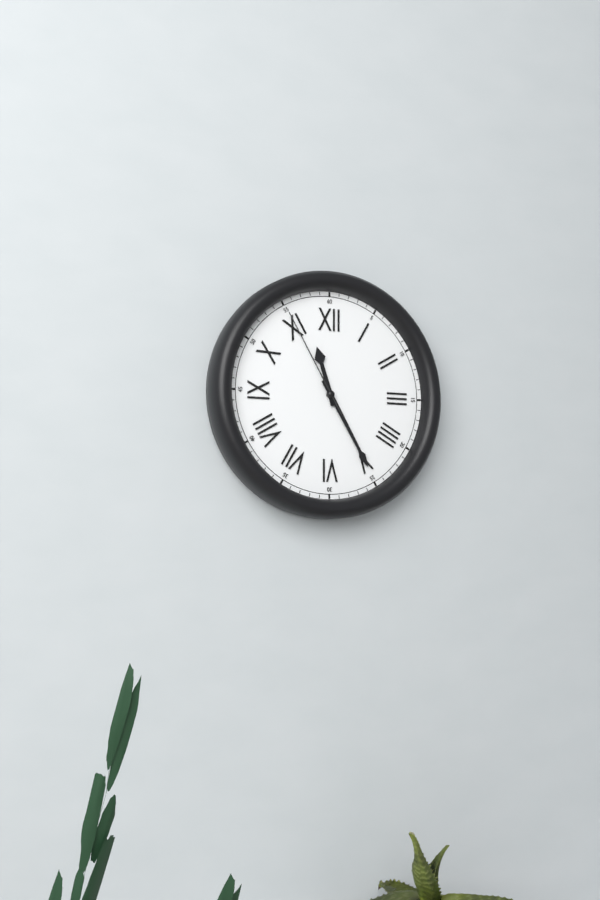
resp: 11,25,55
